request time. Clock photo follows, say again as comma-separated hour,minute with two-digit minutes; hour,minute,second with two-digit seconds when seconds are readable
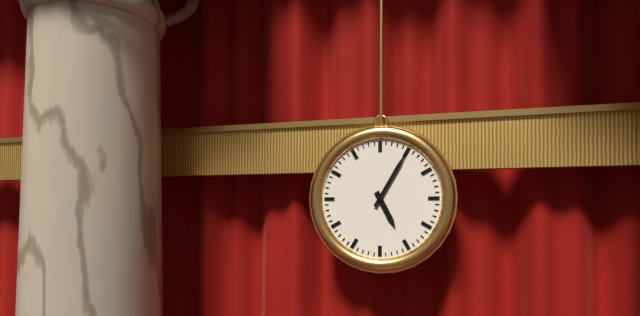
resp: 5,05
